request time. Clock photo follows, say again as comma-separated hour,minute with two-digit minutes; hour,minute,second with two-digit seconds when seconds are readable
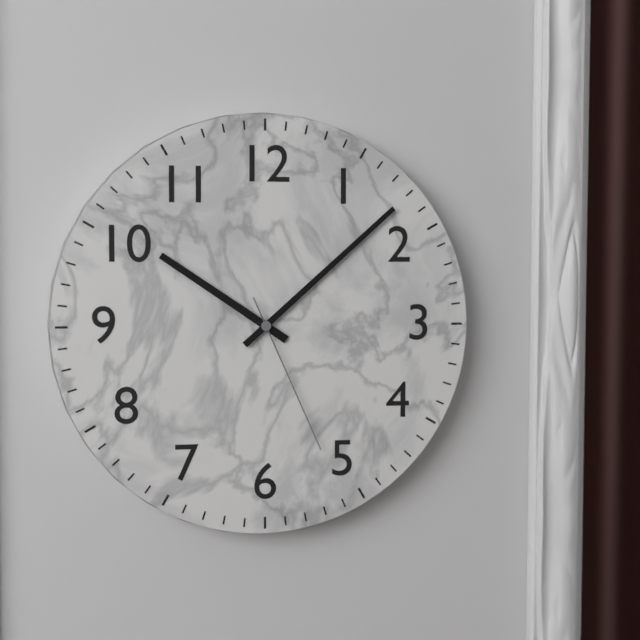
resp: 10,08,26
